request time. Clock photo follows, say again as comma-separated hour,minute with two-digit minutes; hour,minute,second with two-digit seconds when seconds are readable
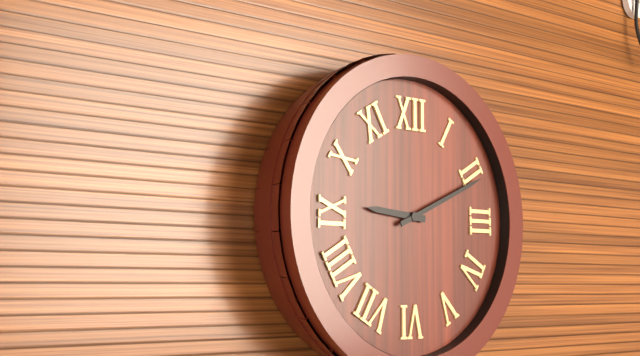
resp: 9,11
